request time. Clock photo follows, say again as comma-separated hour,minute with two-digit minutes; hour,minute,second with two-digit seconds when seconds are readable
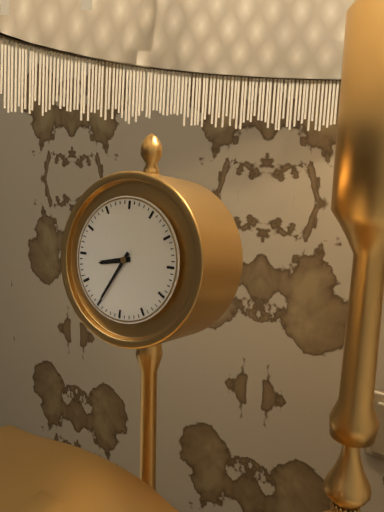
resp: 8,35
